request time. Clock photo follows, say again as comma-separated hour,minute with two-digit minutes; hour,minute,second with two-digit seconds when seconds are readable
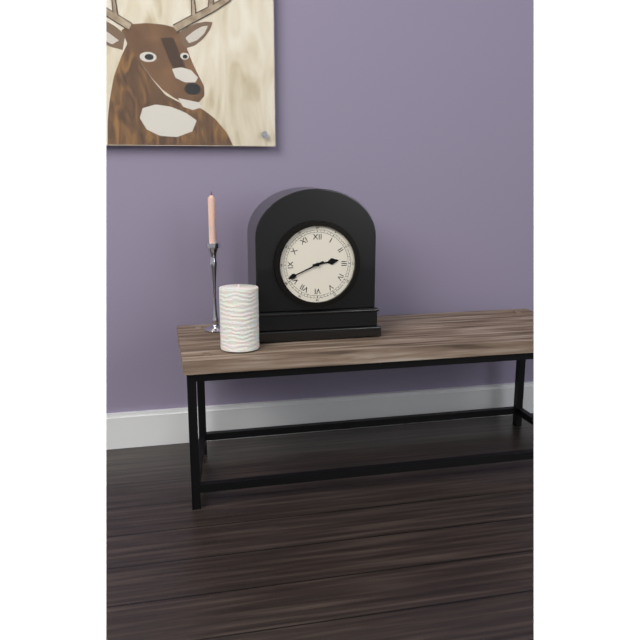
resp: 2,41
